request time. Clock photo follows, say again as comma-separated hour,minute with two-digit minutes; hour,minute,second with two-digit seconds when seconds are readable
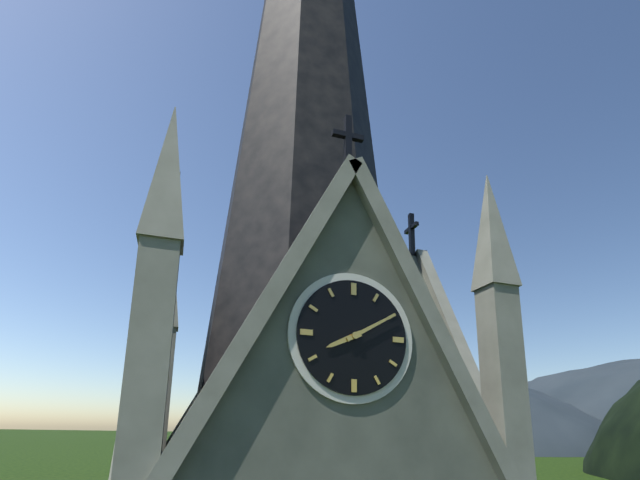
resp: 8,10
